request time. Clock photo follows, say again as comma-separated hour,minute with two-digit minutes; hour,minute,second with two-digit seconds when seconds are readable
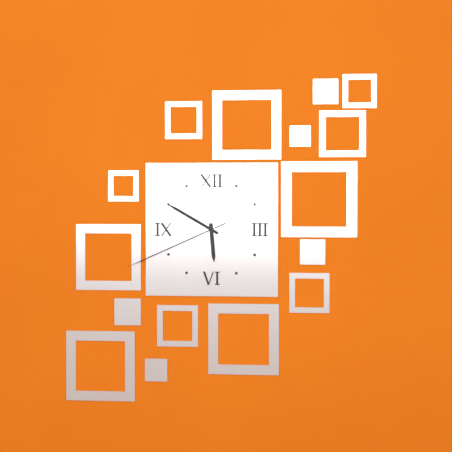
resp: 5,50,41
